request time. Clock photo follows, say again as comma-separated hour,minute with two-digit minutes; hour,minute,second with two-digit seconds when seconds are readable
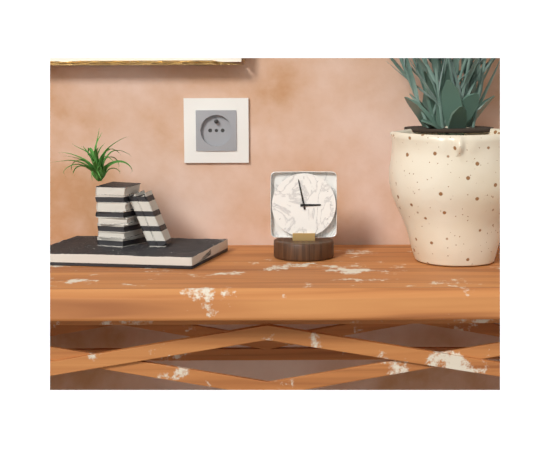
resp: 2,58
